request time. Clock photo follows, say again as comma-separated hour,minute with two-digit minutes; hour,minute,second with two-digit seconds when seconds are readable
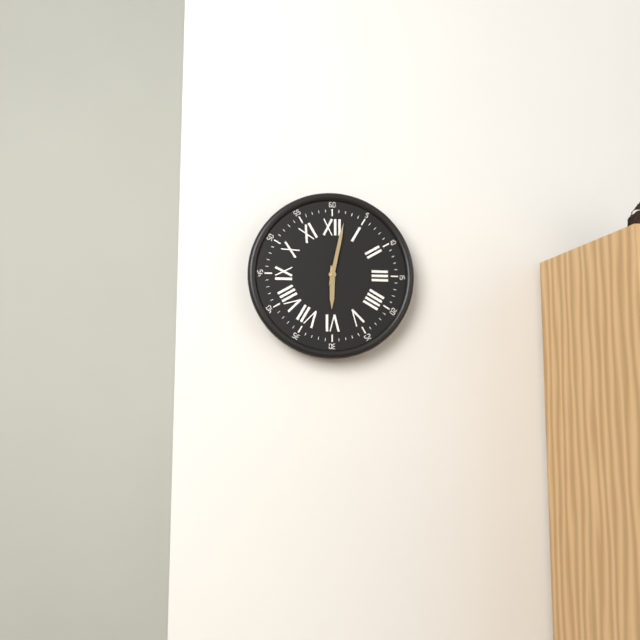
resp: 6,02
